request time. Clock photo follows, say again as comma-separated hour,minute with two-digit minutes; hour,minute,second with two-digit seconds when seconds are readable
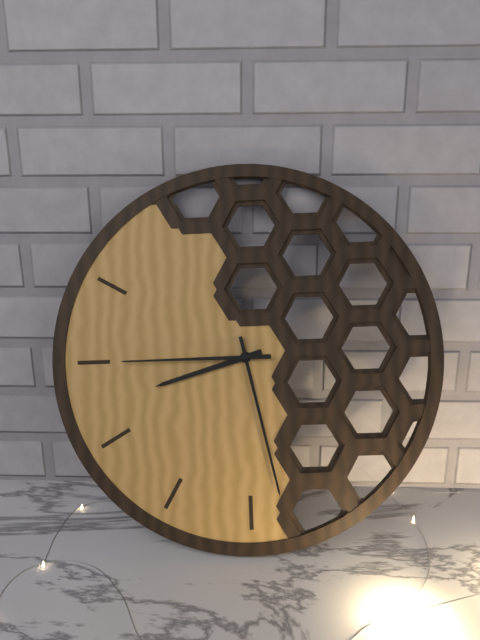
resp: 8,28,45
